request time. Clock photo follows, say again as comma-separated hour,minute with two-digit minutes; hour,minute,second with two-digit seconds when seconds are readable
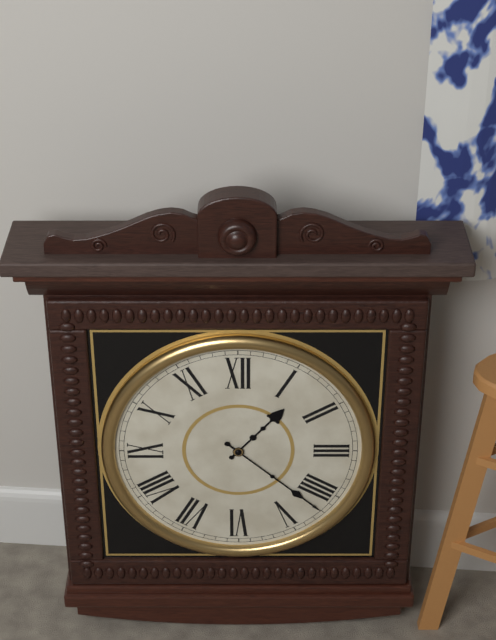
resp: 1,22
